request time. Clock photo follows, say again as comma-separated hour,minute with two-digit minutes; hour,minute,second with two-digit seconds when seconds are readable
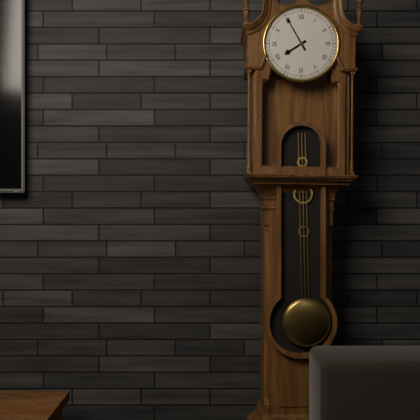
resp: 7,55
